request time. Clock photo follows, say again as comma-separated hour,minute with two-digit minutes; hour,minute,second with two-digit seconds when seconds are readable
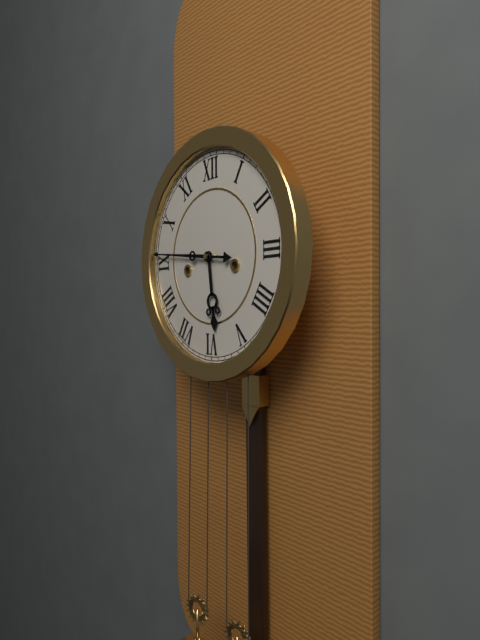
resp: 5,46
